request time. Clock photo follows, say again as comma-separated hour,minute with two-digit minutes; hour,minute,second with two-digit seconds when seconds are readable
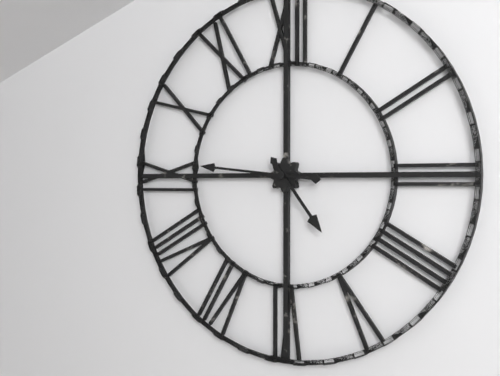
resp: 4,46
